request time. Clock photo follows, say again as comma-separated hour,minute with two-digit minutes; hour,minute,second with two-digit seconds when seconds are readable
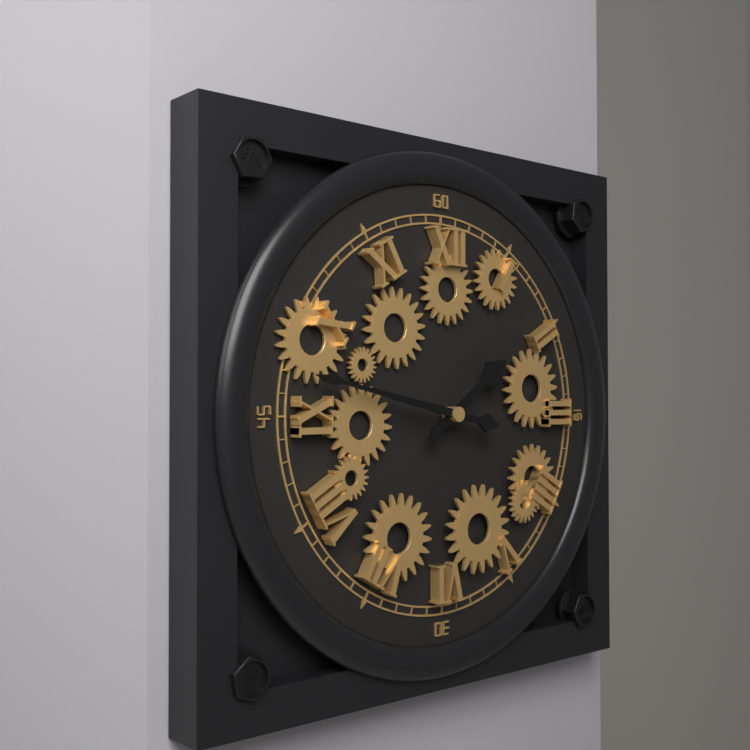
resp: 1,47
